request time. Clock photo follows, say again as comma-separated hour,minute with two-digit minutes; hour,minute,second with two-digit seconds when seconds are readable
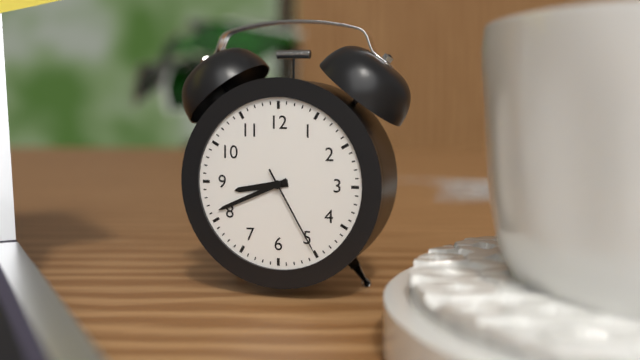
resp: 8,41,25
